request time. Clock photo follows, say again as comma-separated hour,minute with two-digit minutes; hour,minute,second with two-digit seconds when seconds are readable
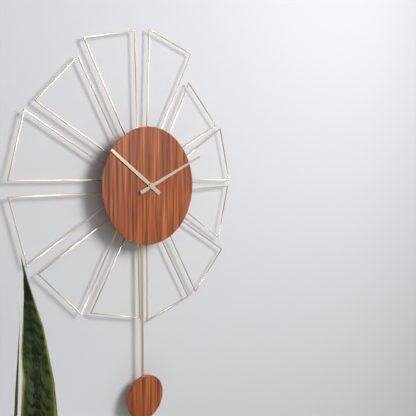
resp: 10,11
